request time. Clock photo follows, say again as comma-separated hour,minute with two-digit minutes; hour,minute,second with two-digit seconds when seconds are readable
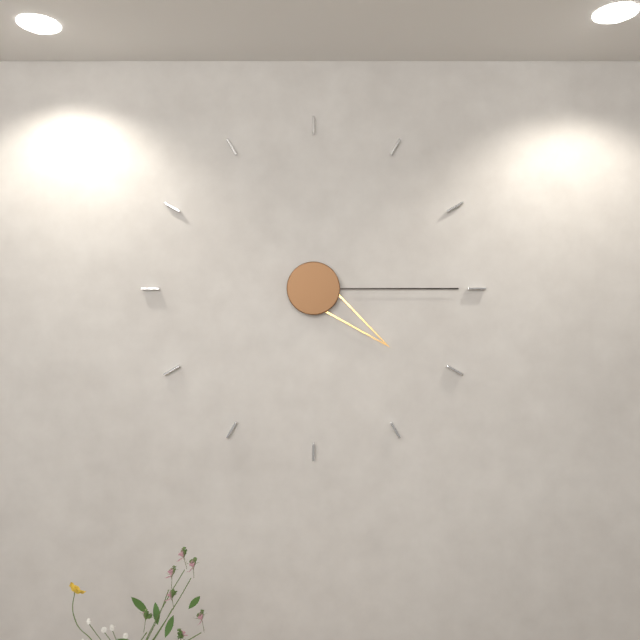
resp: 4,15
